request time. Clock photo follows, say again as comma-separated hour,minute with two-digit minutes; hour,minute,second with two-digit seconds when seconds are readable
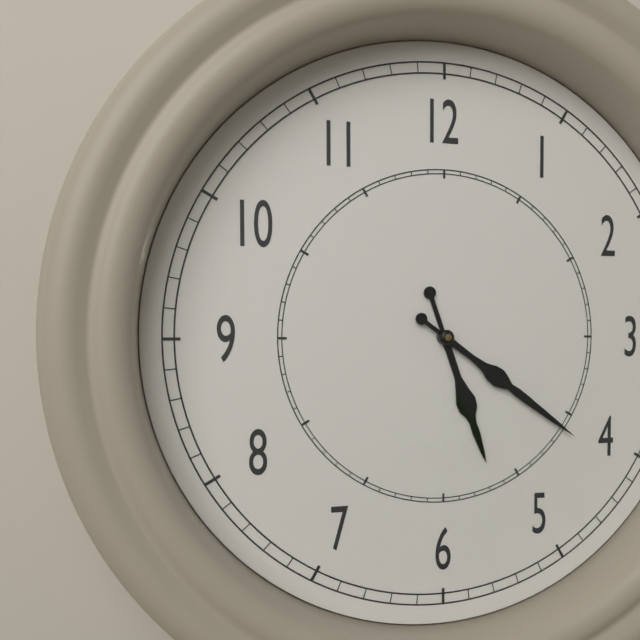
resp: 5,21
